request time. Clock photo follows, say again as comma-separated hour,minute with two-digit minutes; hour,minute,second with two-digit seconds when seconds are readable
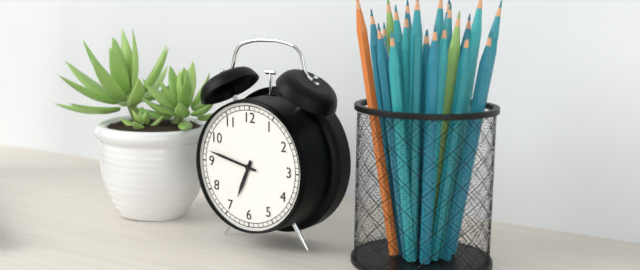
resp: 6,47
